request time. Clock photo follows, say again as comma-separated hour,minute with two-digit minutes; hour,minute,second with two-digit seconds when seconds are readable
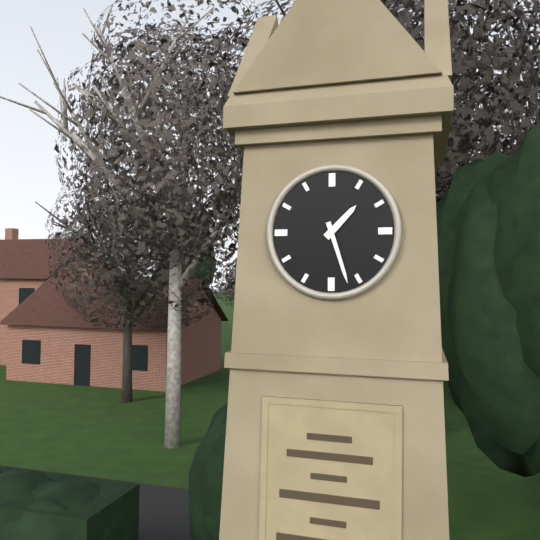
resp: 1,27
